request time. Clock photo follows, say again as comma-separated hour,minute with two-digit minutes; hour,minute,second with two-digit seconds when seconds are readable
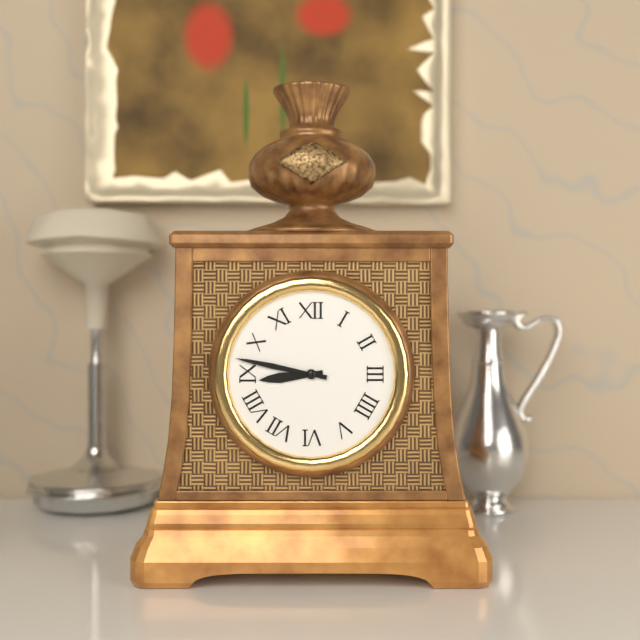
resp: 8,47
